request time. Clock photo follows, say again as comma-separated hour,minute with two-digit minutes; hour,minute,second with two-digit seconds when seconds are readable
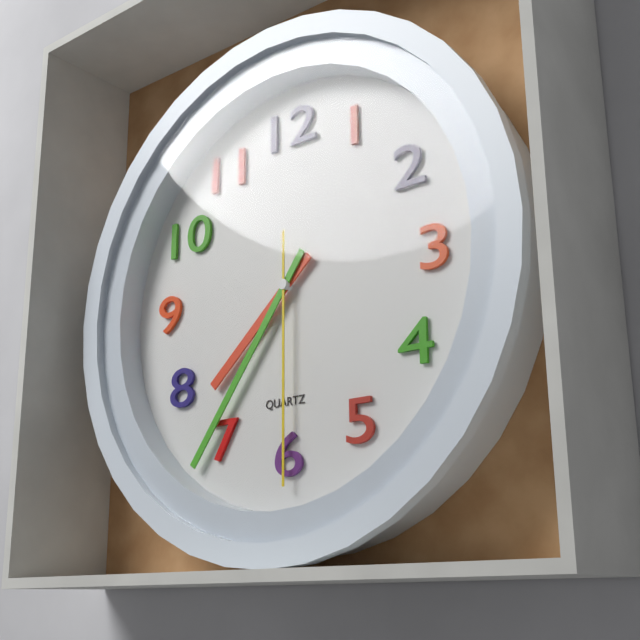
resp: 7,36,30
